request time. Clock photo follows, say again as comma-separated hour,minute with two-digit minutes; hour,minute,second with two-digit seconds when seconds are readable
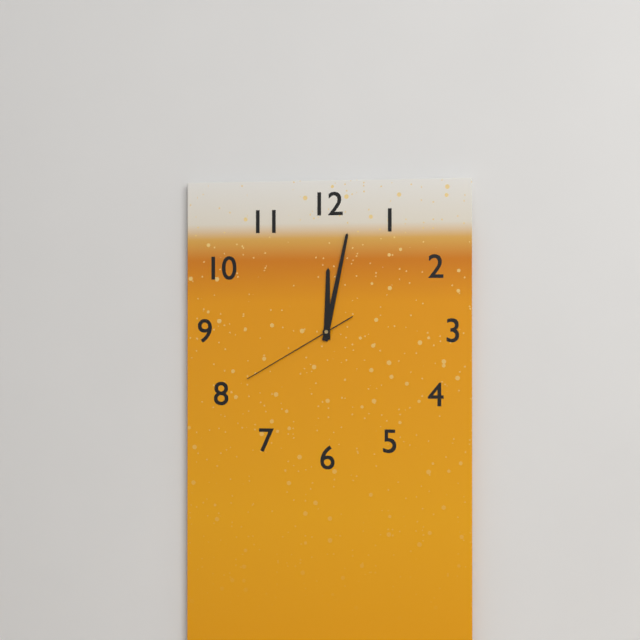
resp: 12,02,40
